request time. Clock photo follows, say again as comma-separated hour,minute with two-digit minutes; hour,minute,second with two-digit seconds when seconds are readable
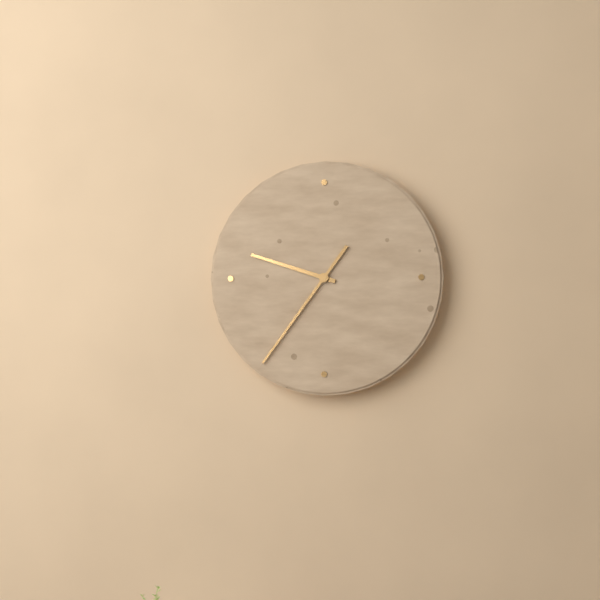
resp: 9,36
